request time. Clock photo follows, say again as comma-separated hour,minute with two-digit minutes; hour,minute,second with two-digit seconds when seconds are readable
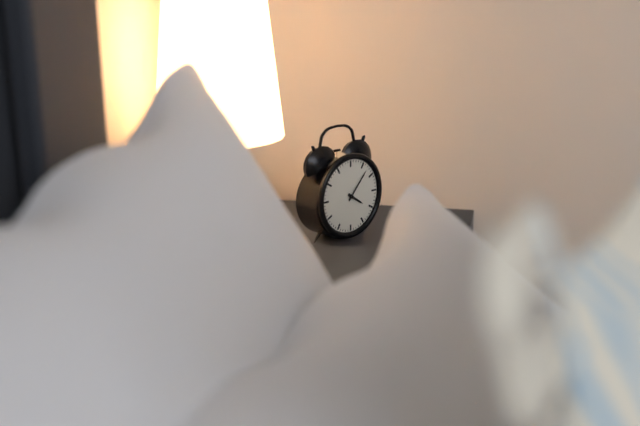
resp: 4,07
